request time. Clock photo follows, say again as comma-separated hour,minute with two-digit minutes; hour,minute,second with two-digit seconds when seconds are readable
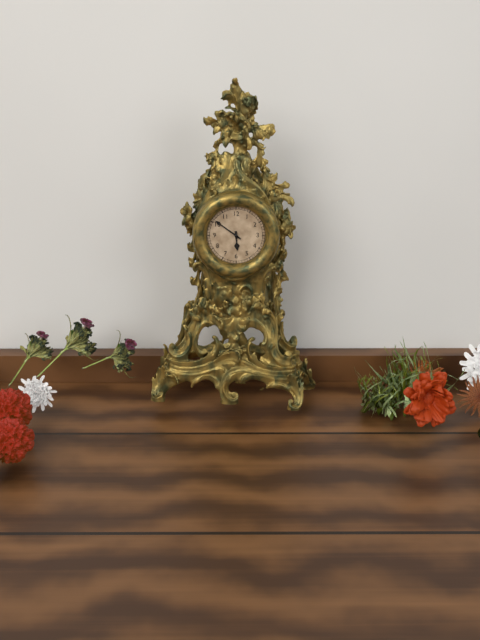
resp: 5,51
